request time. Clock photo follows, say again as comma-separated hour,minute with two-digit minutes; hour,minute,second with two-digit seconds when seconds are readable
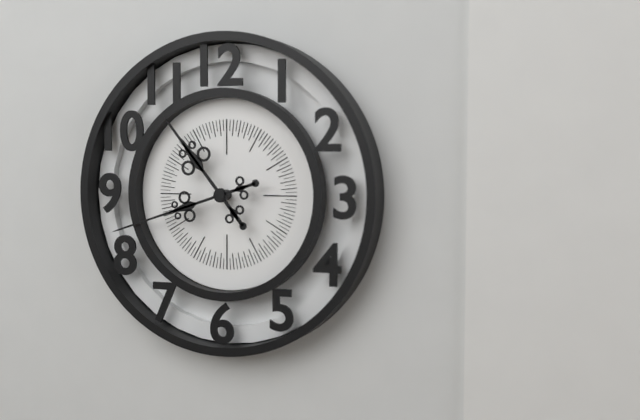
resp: 10,42
